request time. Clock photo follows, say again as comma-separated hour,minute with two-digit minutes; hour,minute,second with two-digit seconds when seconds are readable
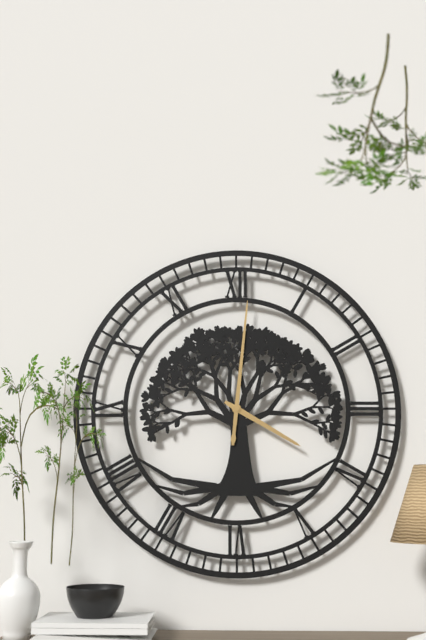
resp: 4,01
